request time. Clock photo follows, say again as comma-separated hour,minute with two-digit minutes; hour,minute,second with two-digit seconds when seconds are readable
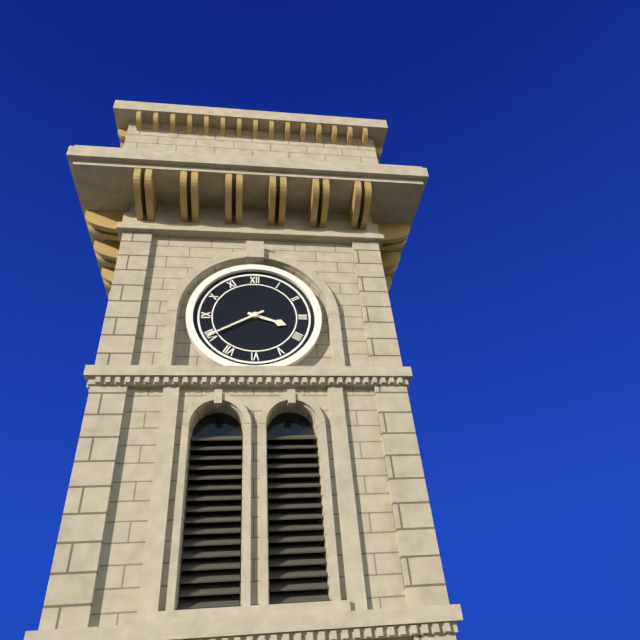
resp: 3,40
